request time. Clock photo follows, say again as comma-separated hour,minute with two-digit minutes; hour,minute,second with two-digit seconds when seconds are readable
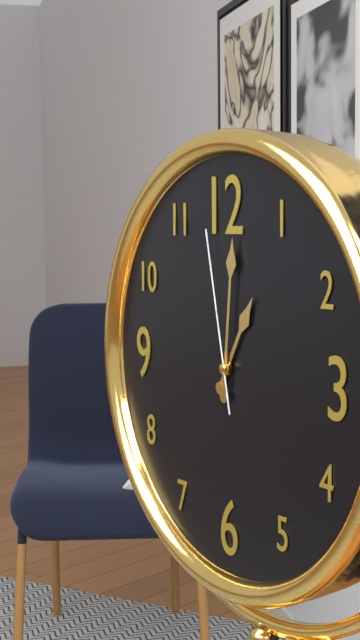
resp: 1,01,58
